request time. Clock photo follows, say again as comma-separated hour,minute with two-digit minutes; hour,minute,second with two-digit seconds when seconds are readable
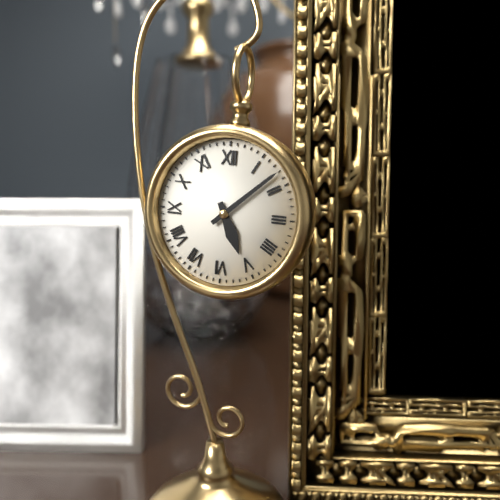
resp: 5,08
